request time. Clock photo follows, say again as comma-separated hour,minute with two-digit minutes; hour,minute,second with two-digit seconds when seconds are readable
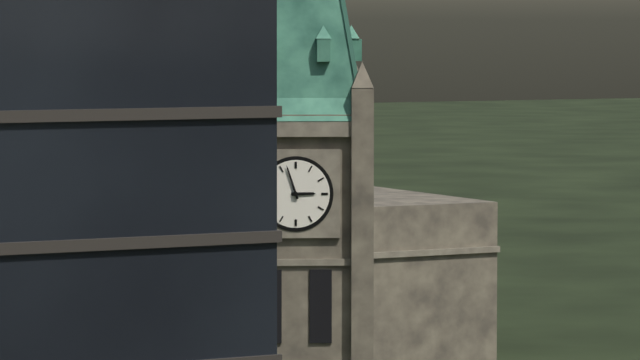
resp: 2,57
